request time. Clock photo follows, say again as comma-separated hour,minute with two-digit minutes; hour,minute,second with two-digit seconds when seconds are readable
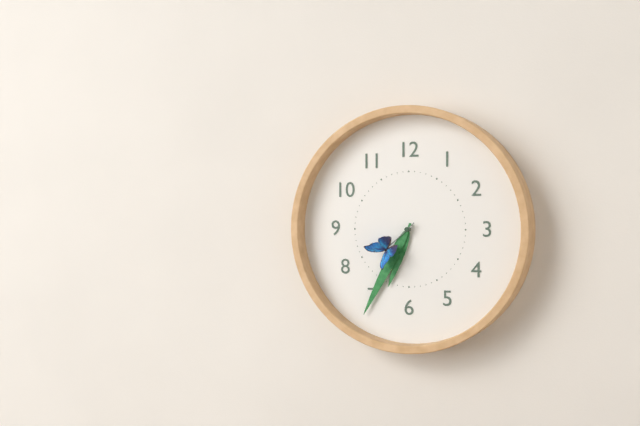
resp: 6,35,38
